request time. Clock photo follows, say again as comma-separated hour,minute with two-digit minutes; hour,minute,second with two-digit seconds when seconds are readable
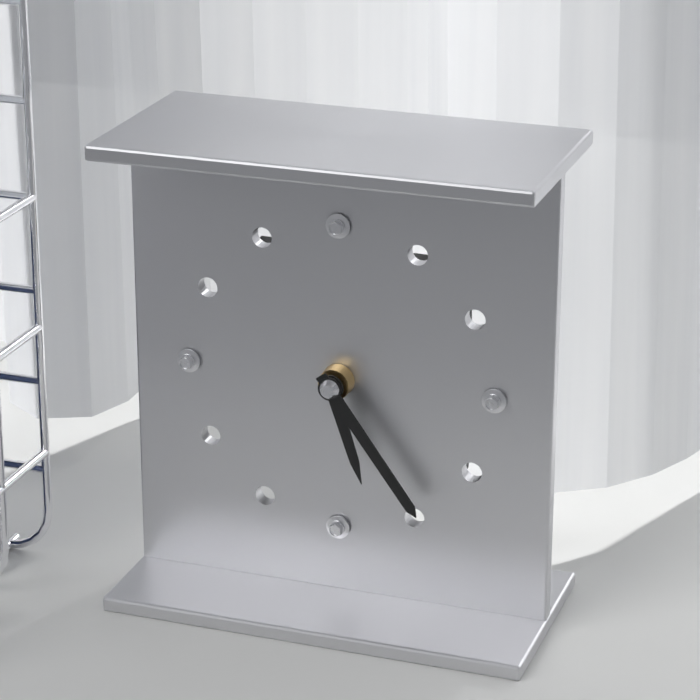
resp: 5,24
